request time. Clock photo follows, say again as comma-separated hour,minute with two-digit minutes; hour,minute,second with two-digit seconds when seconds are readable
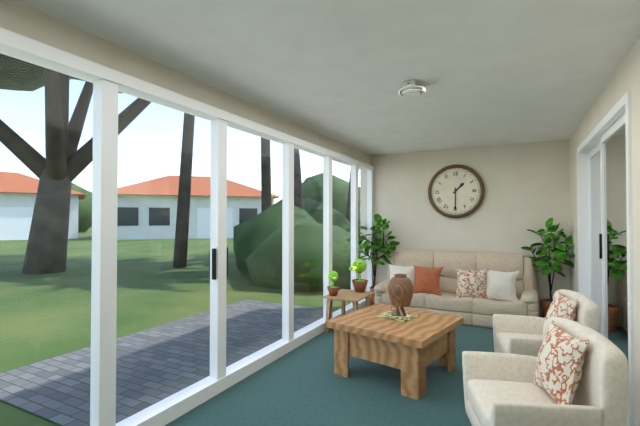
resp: 1,30
